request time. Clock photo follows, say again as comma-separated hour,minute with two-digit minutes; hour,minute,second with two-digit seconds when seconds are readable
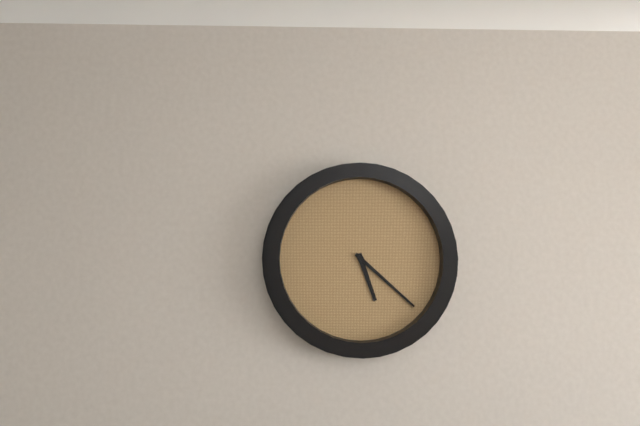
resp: 5,22
